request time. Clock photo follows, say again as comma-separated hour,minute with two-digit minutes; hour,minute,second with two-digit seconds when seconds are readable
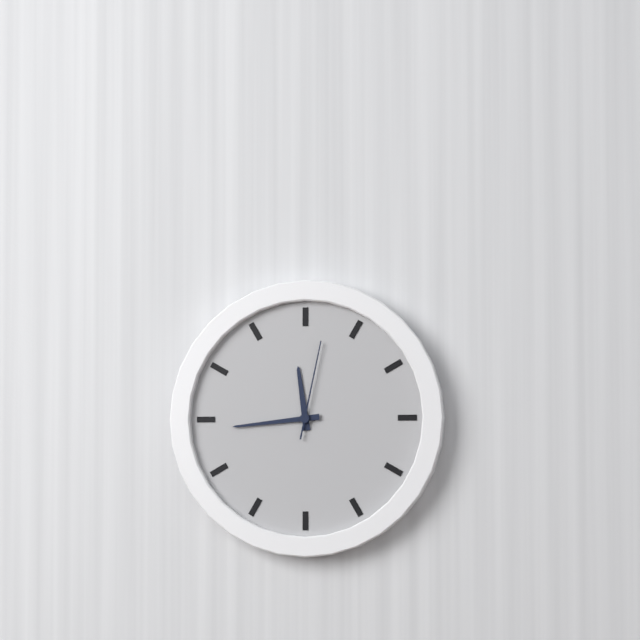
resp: 11,44,02
